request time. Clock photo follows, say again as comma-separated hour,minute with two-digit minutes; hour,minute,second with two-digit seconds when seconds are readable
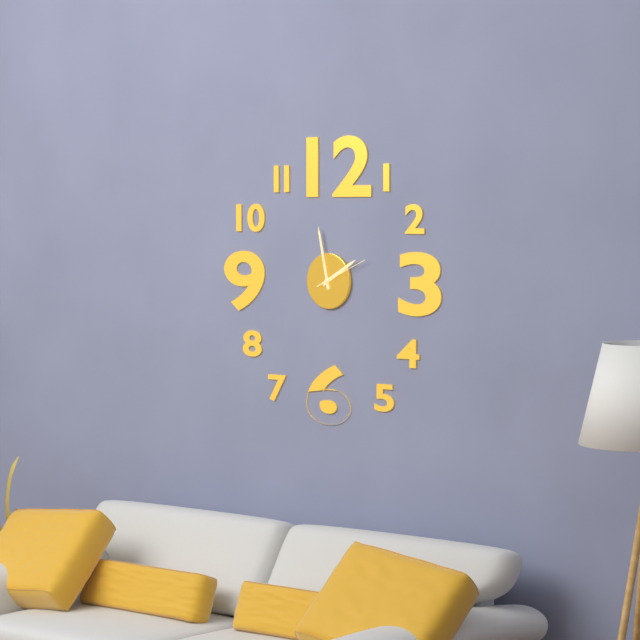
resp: 1,58,11
